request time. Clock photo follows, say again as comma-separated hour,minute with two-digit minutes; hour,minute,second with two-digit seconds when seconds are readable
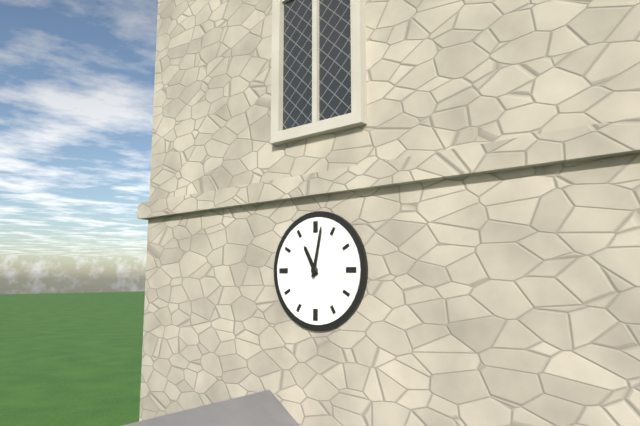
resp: 11,02
